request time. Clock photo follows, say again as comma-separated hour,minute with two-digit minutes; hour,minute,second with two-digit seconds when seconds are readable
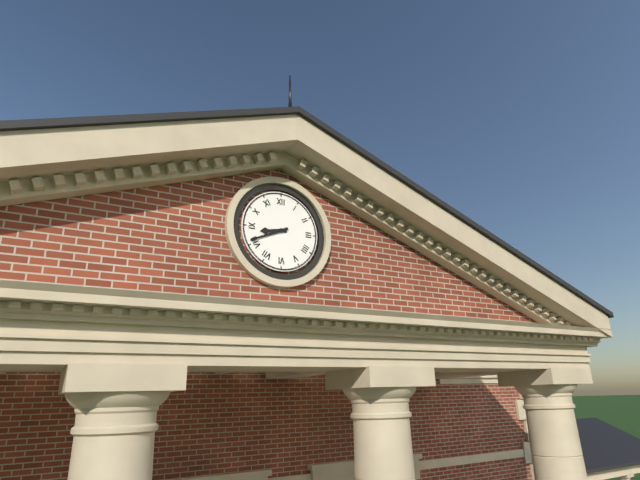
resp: 8,41
